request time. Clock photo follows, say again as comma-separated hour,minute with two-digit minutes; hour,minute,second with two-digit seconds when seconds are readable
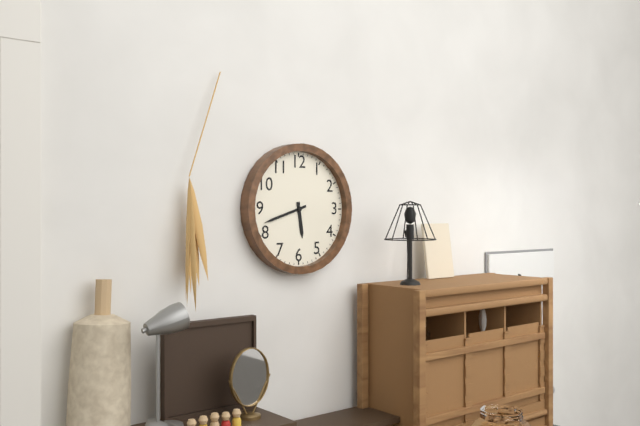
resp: 5,42
